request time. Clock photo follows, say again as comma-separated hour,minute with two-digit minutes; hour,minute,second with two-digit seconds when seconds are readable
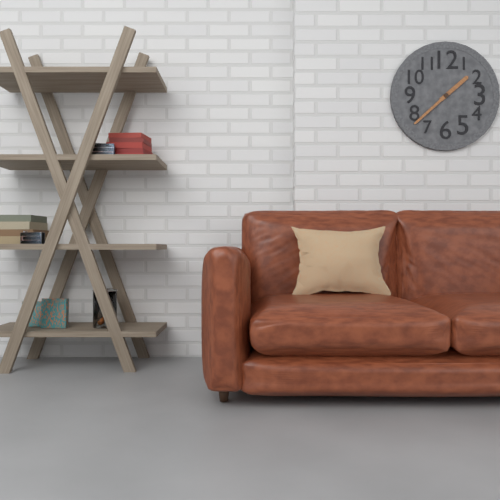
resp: 1,38
